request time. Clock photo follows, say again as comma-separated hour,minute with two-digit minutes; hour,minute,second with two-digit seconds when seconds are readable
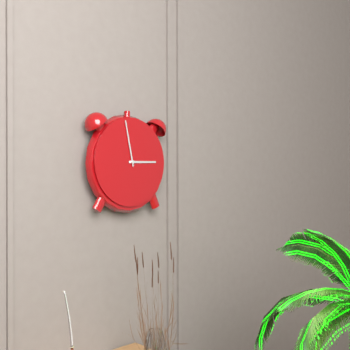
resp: 2,58
